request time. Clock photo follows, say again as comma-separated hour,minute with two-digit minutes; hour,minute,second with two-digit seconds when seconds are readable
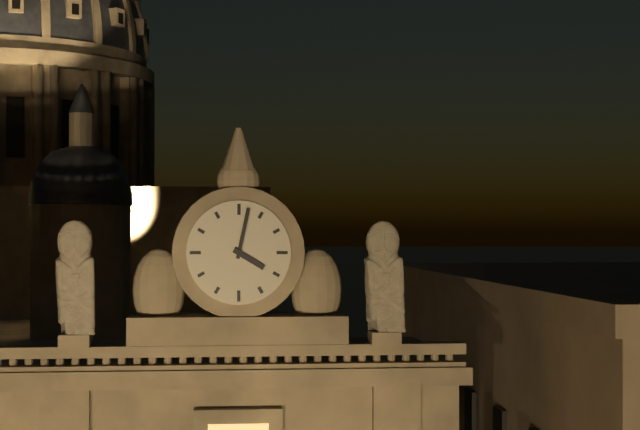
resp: 4,02
